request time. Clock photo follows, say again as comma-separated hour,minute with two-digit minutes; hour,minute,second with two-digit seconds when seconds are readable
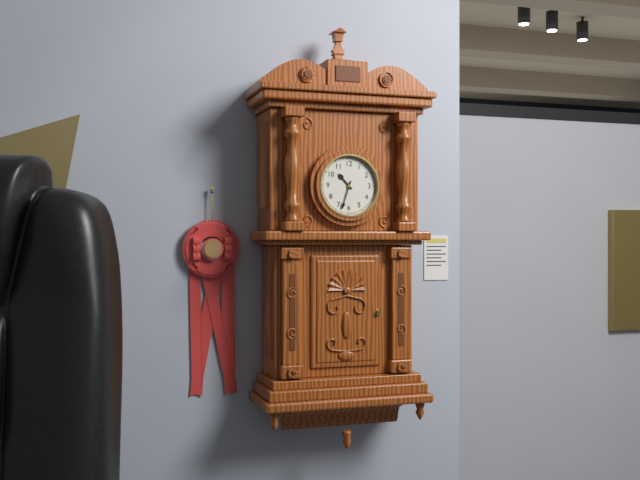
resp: 10,33
